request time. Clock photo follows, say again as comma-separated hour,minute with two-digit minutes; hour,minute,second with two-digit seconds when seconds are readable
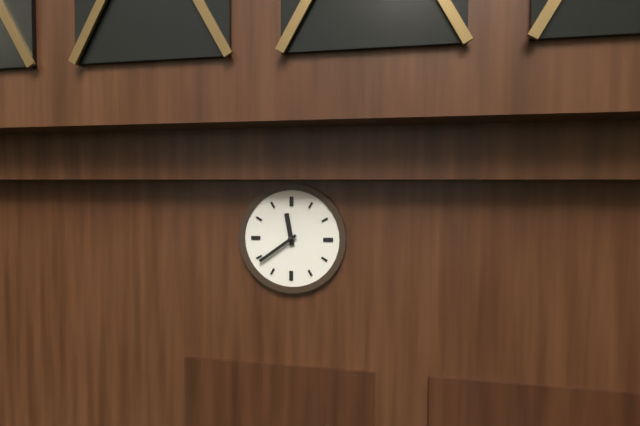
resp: 11,39
